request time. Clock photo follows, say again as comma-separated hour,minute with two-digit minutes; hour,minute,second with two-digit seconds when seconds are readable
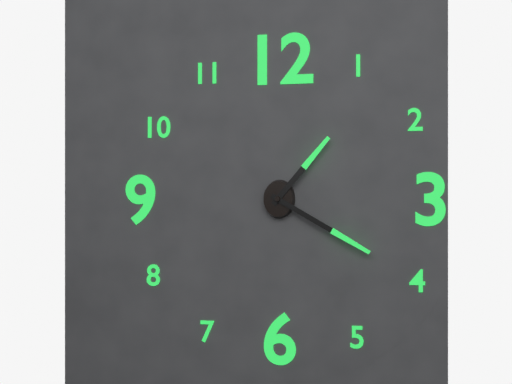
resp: 1,20
